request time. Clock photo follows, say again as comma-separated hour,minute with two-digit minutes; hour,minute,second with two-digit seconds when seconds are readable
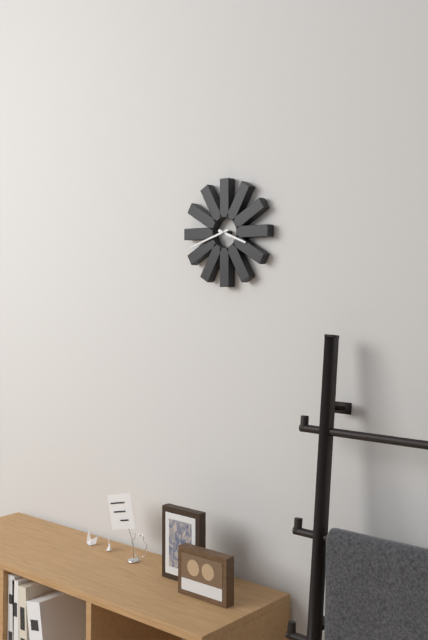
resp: 3,42
